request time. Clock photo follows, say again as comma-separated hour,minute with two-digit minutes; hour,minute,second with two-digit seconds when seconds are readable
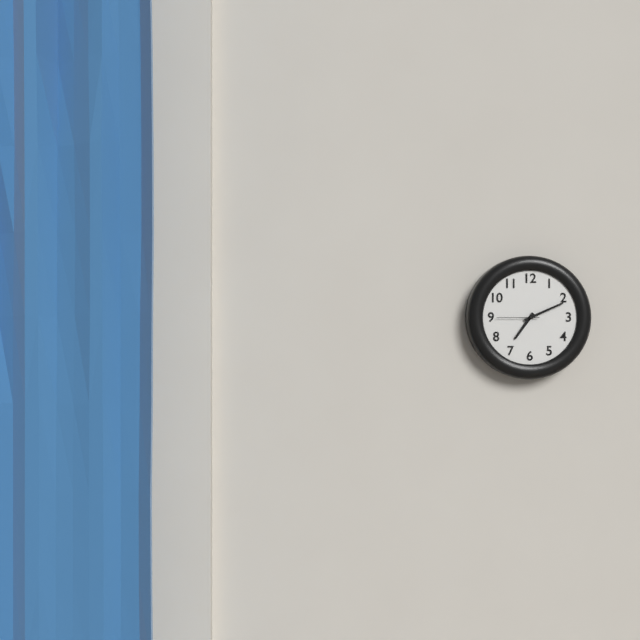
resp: 7,11
